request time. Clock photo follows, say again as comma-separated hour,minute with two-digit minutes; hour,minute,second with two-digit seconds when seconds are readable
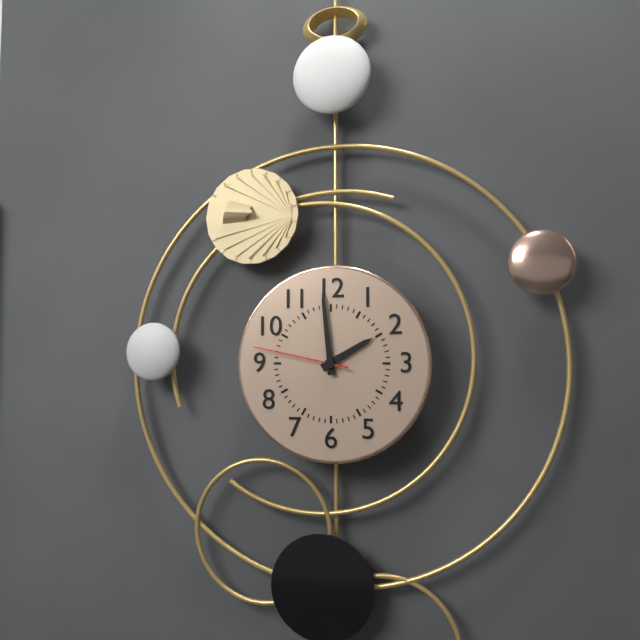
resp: 1,59,47
